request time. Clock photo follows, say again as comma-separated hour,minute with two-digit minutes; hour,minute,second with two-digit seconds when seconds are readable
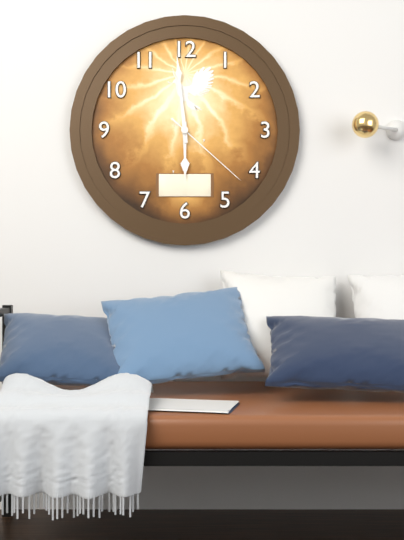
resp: 5,59,22
